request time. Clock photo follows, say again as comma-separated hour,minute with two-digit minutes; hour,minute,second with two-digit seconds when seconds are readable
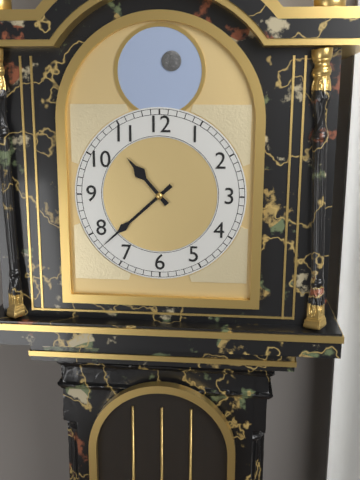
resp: 10,38
